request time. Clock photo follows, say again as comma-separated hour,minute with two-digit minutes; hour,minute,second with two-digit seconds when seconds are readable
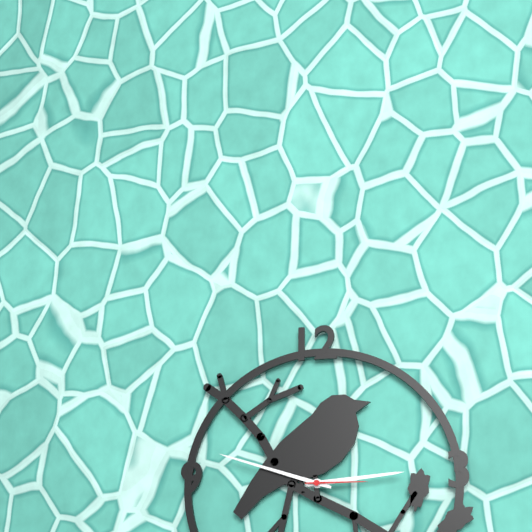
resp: 2,48,15
